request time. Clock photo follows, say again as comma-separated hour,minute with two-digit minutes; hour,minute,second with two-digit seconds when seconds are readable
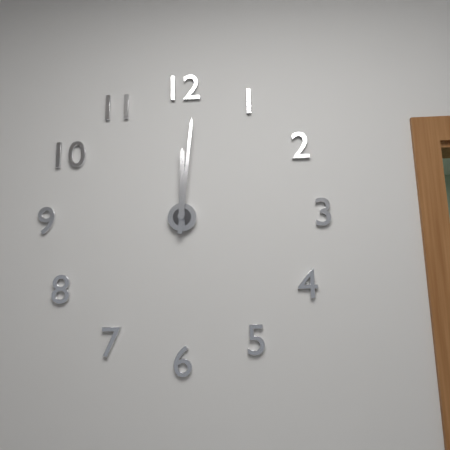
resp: 12,01
